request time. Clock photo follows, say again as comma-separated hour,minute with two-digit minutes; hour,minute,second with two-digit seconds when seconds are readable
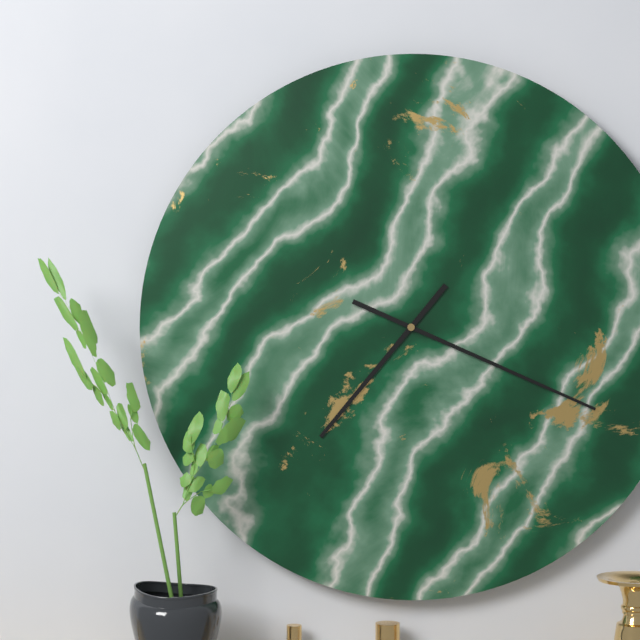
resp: 7,19
